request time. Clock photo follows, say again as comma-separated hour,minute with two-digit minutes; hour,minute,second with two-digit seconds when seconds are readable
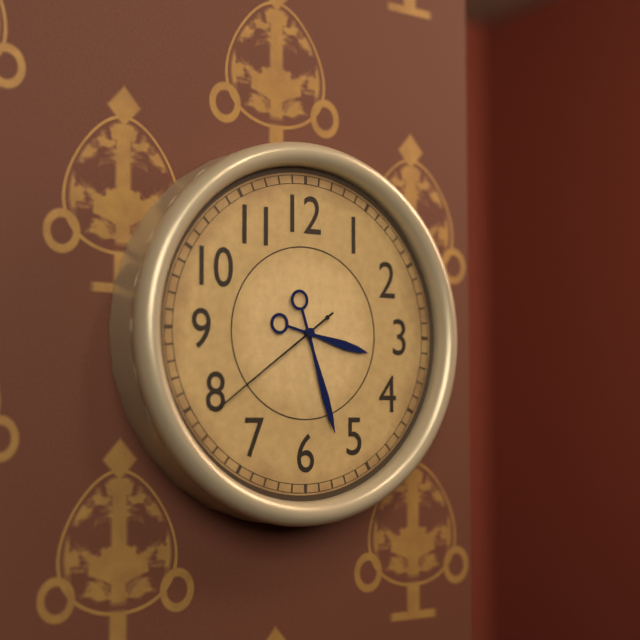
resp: 3,27,39
